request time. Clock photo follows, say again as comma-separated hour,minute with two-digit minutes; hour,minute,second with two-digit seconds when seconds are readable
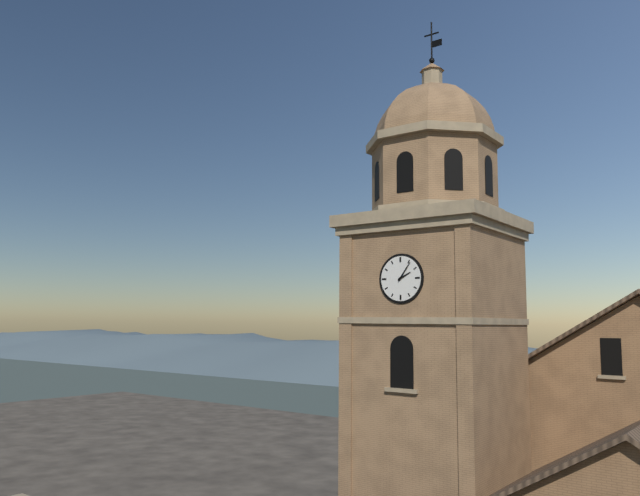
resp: 2,06
